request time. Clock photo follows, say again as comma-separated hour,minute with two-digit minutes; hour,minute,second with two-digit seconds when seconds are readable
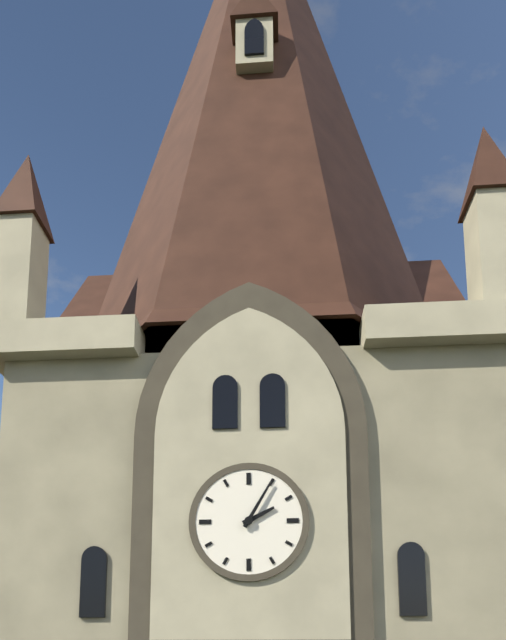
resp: 2,05
